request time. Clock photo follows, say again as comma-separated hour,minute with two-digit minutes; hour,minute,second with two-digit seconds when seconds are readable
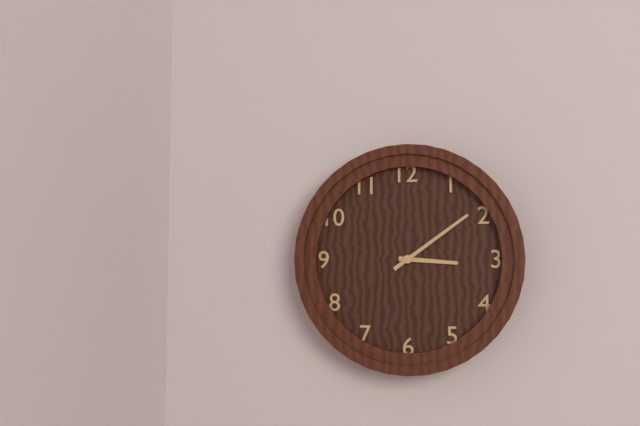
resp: 3,09
